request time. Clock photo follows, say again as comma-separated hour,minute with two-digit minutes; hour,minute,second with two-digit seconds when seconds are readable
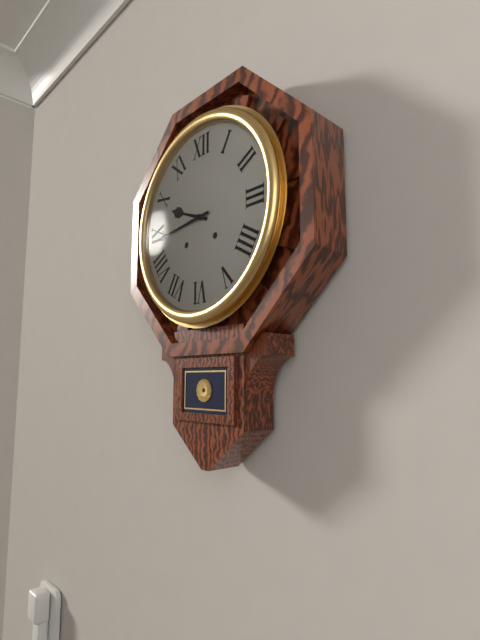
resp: 9,44
